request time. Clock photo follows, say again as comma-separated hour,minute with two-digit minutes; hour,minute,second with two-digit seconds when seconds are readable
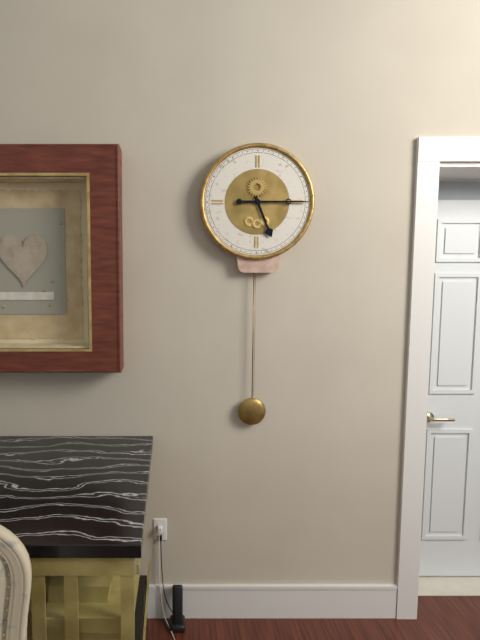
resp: 5,15
